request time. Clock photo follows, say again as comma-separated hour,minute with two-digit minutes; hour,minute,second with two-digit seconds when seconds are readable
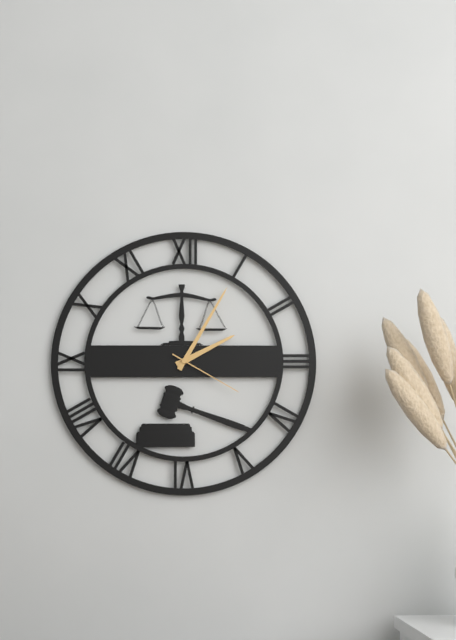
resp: 2,05,20
